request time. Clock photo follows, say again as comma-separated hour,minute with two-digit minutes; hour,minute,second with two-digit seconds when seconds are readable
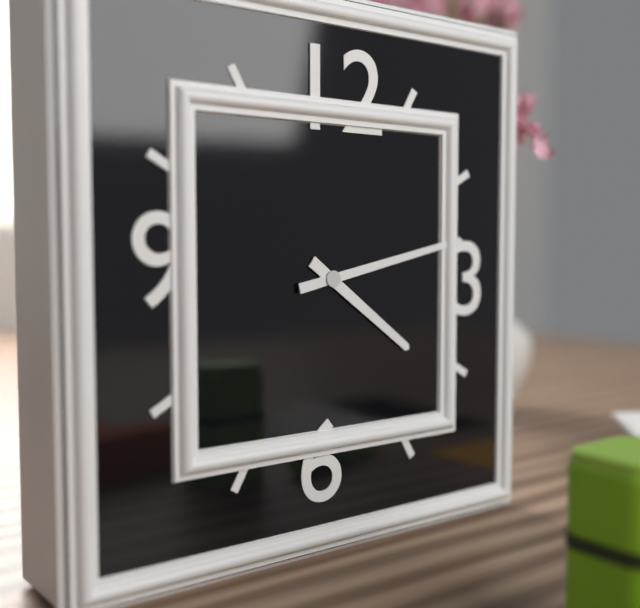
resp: 4,13
